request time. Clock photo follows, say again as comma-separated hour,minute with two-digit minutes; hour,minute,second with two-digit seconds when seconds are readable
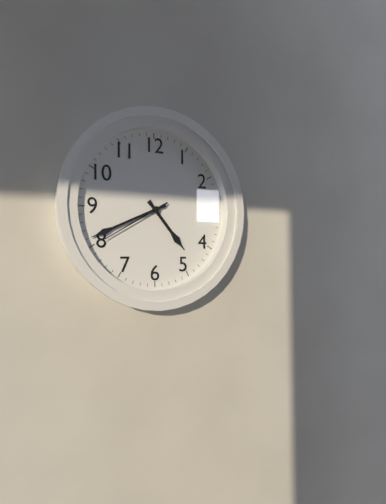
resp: 4,41,40
